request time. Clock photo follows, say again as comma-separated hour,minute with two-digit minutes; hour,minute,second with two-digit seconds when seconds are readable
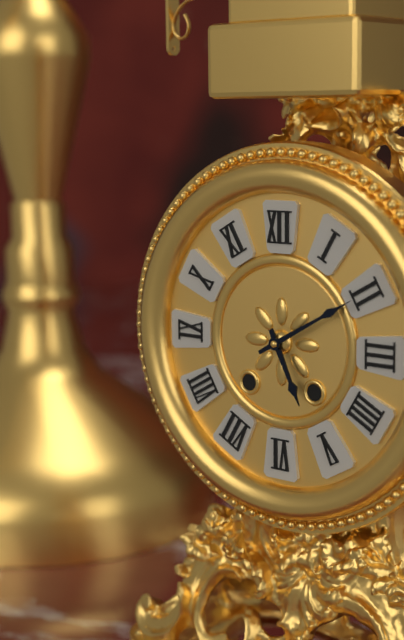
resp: 5,10
